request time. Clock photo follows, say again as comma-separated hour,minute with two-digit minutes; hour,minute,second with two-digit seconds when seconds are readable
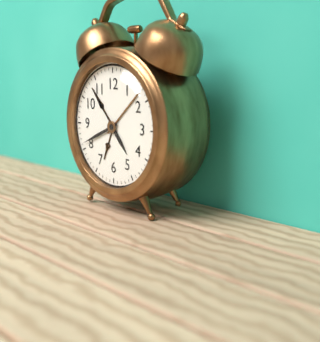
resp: 4,41
